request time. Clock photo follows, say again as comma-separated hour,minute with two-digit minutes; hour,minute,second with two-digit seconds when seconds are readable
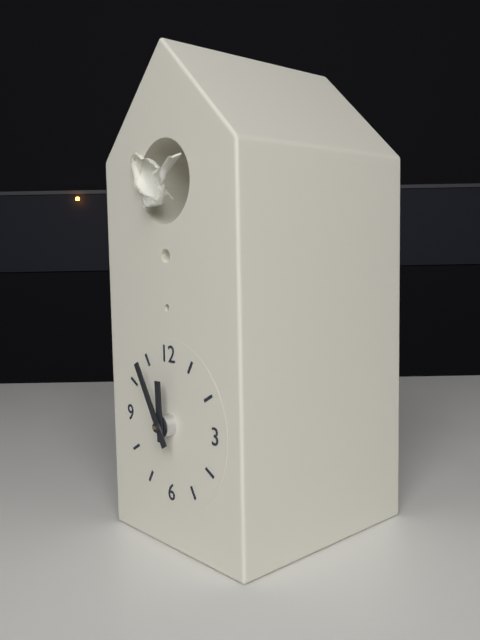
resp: 11,55
